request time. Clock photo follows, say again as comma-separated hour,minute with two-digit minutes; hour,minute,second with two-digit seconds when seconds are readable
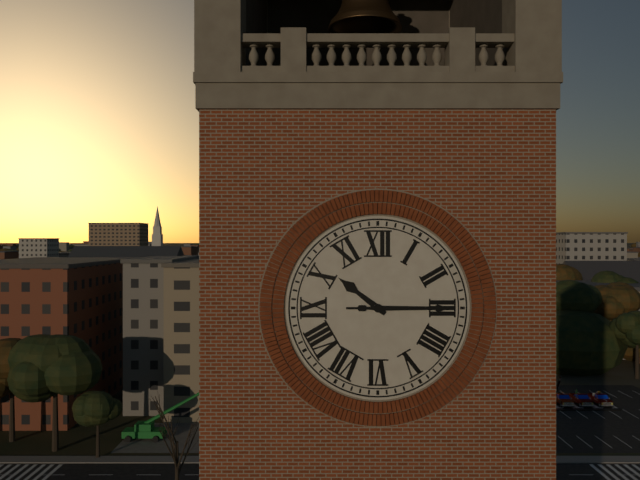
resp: 10,15
